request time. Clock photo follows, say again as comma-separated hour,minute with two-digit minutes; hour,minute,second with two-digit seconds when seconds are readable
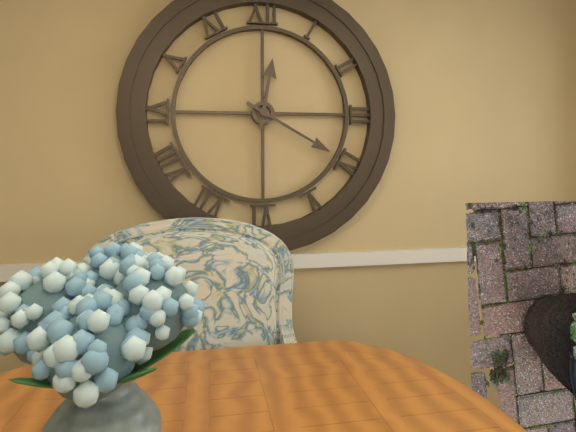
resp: 12,20
